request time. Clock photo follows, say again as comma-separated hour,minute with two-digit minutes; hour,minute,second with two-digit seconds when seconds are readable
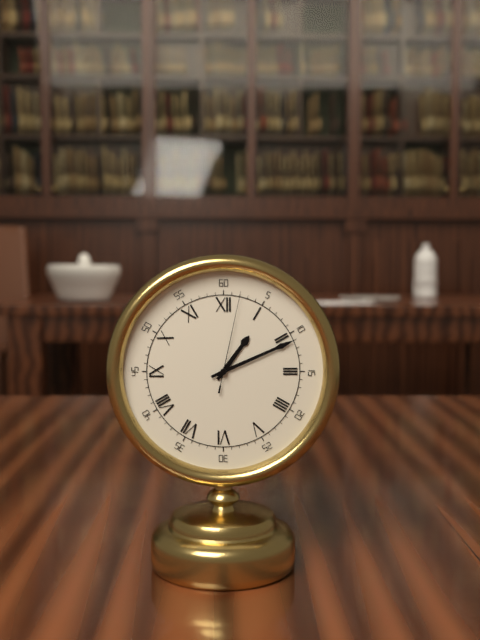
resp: 1,11,02
